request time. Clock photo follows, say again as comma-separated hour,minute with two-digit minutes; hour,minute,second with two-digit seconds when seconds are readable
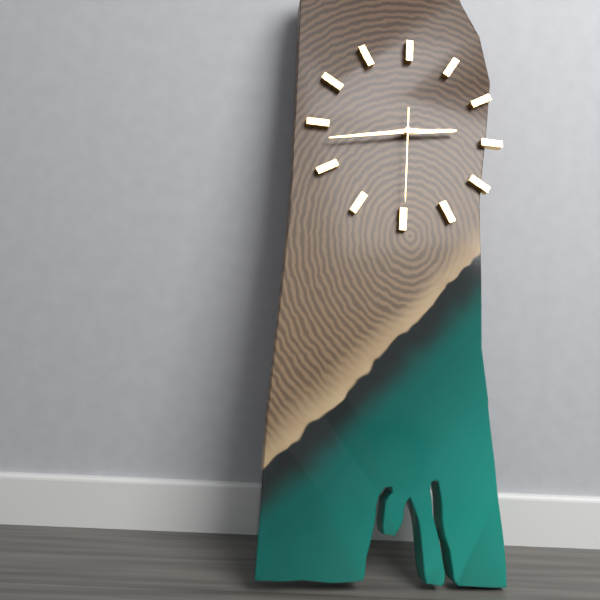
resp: 2,43,30
